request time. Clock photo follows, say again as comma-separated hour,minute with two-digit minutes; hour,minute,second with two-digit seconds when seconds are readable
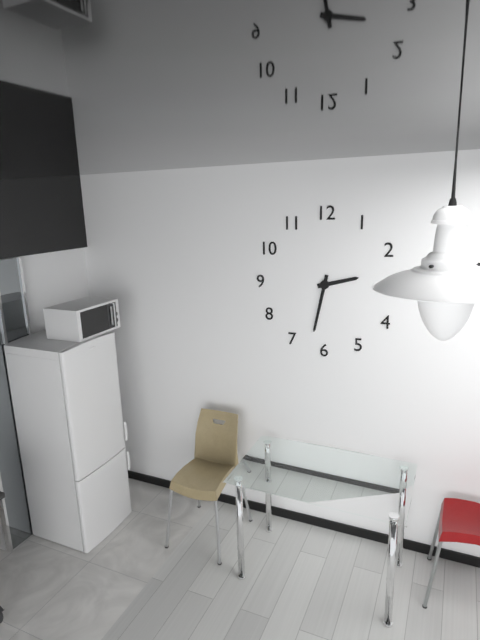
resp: 2,32
